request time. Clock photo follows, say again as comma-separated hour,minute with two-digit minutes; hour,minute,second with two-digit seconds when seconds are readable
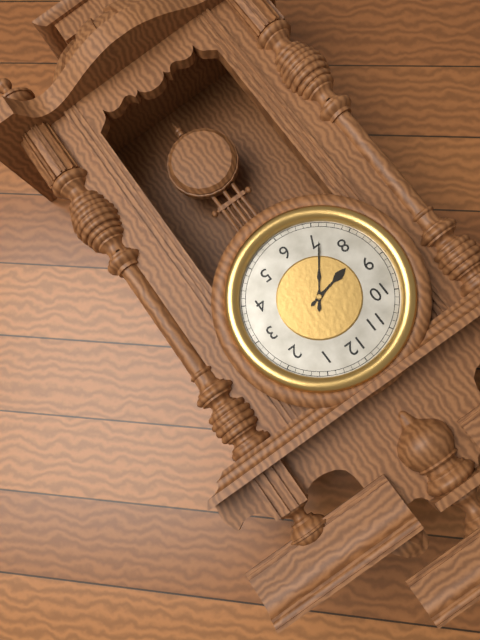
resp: 8,36
